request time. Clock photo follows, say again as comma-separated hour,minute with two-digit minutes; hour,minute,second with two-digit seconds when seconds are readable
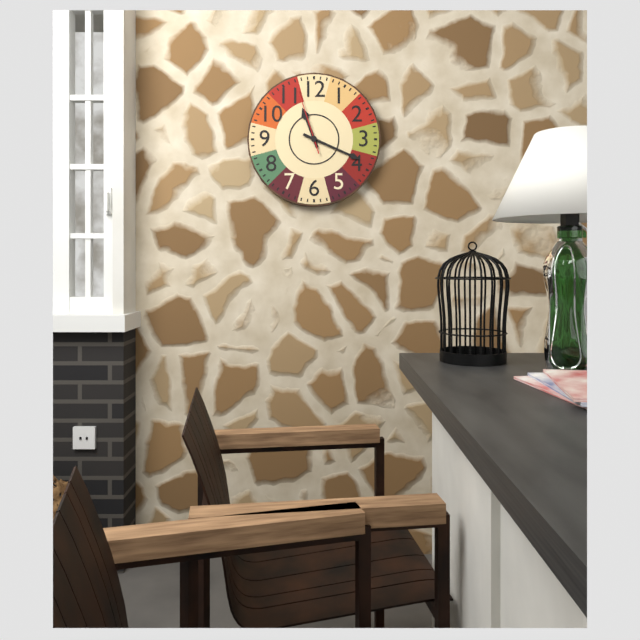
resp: 11,19,57
